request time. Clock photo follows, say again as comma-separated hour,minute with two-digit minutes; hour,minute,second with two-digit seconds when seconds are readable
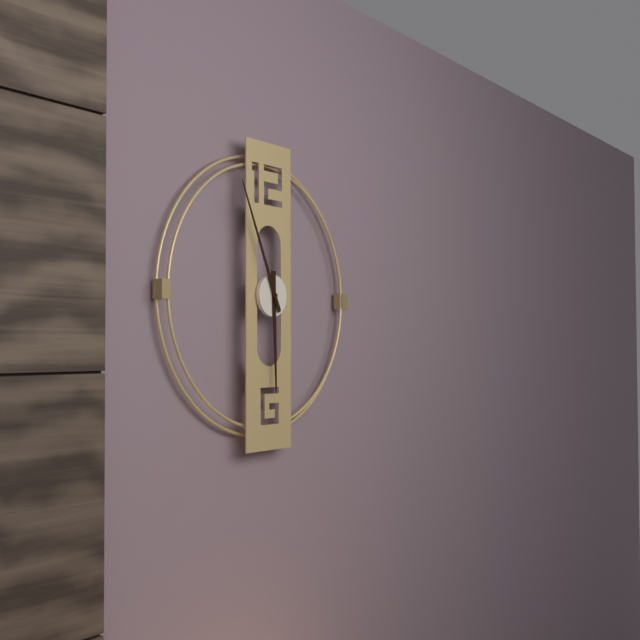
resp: 5,56
